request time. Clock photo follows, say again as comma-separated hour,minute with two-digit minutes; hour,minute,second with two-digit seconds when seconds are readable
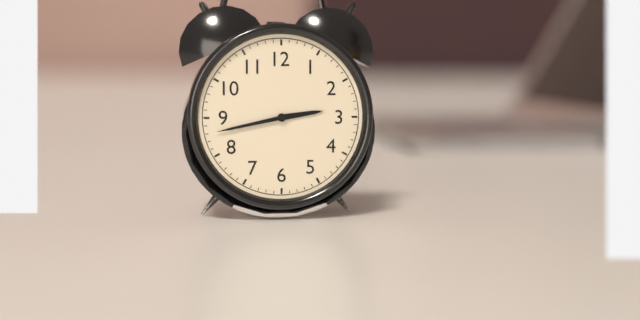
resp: 2,43
